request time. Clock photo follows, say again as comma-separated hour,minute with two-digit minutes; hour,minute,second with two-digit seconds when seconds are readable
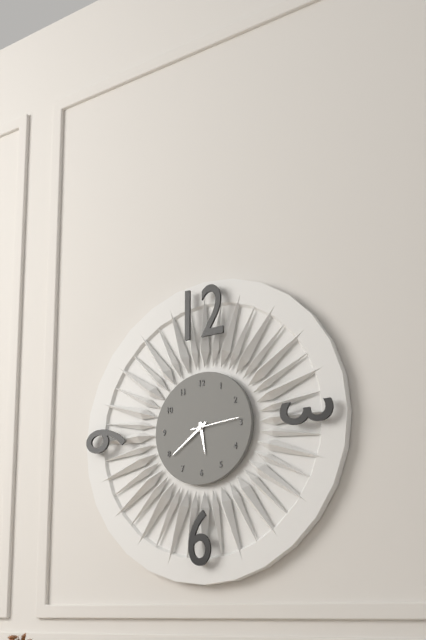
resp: 5,39
